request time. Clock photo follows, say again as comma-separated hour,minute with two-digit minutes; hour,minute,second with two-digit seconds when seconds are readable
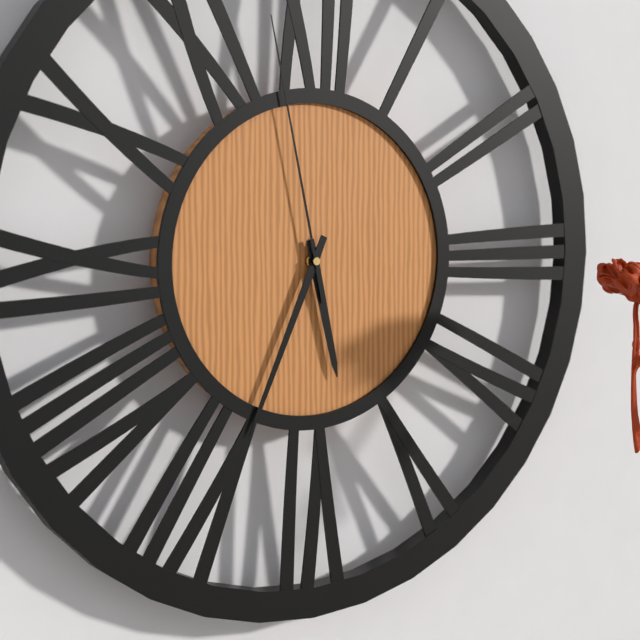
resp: 5,34,58
